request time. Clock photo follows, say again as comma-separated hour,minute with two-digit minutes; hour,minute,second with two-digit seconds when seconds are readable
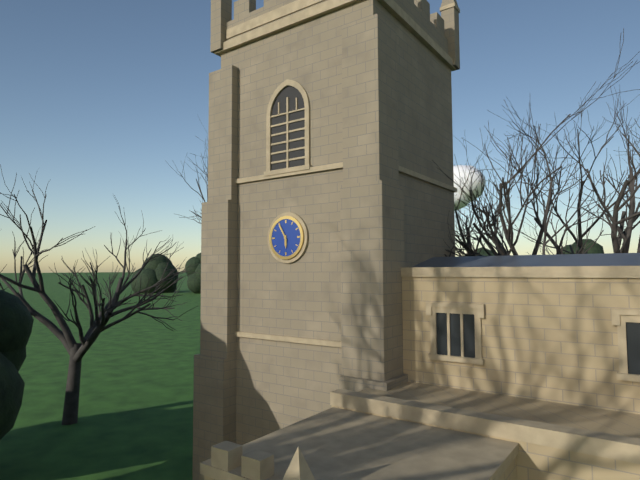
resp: 5,55
